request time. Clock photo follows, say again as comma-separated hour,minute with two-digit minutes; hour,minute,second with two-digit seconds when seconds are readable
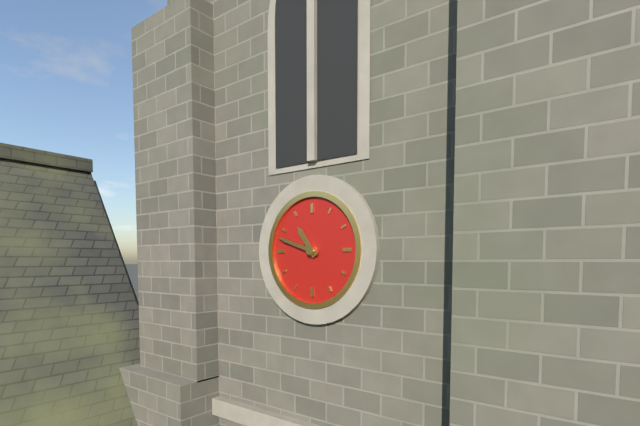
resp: 10,48
